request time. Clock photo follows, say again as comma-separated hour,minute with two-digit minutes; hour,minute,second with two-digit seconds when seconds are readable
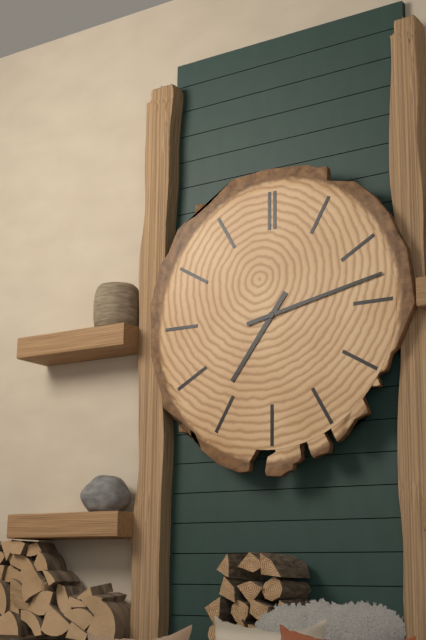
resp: 7,13
